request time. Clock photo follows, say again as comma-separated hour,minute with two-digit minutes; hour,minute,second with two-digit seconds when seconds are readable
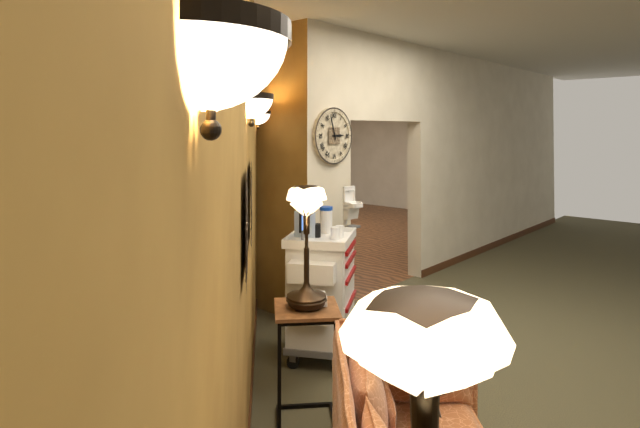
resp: 2,57
